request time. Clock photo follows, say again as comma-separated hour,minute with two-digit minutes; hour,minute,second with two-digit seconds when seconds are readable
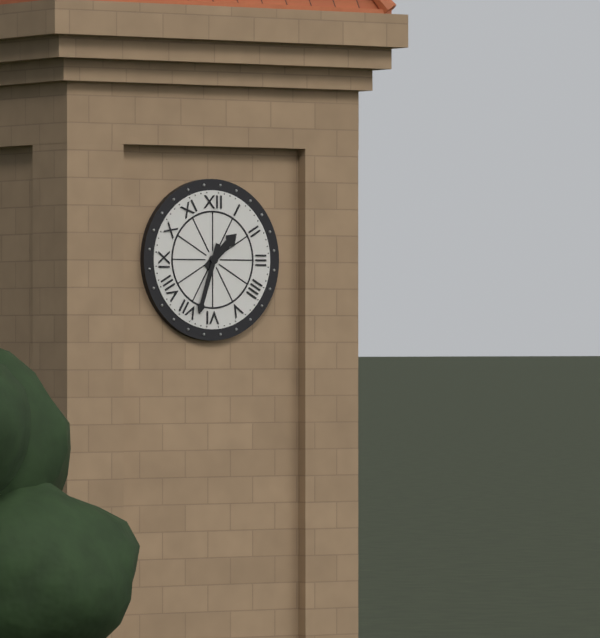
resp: 1,33
